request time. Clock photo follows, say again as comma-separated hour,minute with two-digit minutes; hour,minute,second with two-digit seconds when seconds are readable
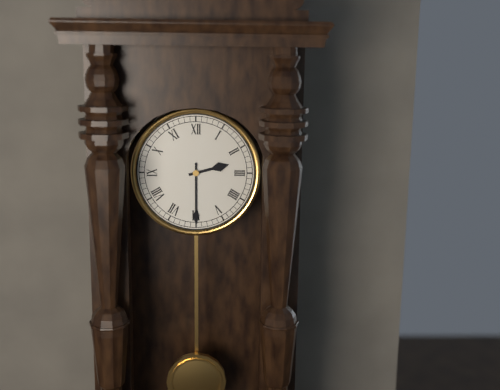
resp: 2,30
